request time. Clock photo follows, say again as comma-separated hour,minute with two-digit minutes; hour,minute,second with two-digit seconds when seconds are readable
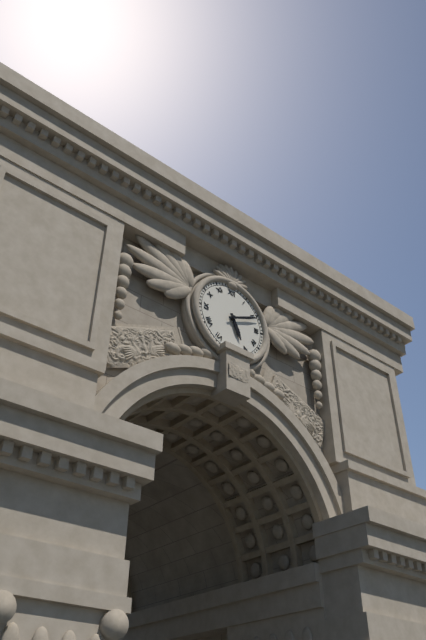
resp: 5,11
